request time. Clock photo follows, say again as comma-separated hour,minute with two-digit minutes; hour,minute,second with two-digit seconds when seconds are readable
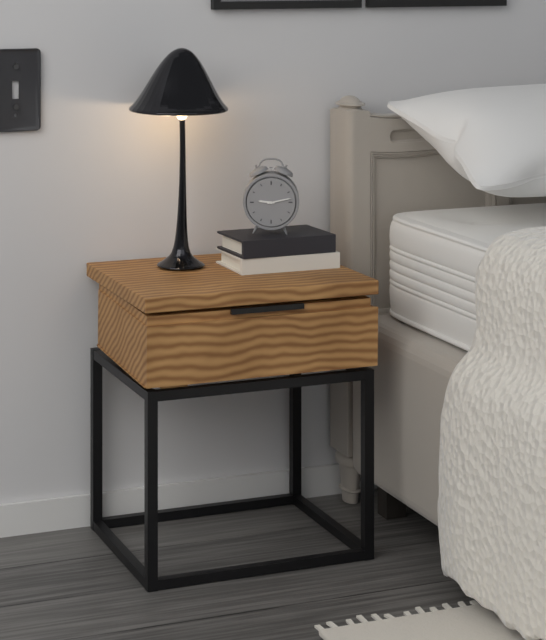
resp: 9,13
